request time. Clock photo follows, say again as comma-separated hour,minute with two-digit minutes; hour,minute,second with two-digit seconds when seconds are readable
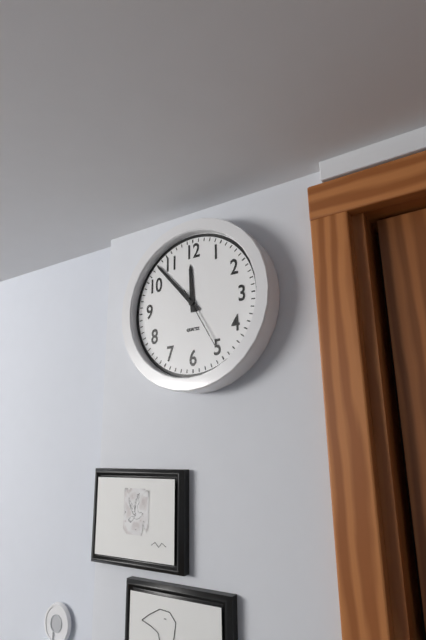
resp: 11,53,25
